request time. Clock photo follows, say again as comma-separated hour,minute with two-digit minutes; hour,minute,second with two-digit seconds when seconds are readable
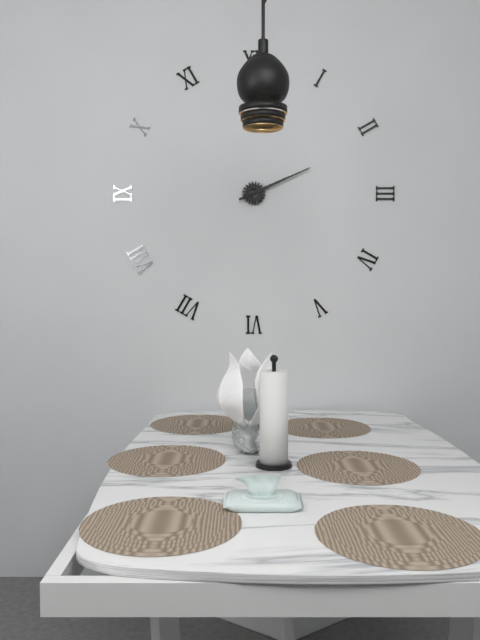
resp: 2,11
